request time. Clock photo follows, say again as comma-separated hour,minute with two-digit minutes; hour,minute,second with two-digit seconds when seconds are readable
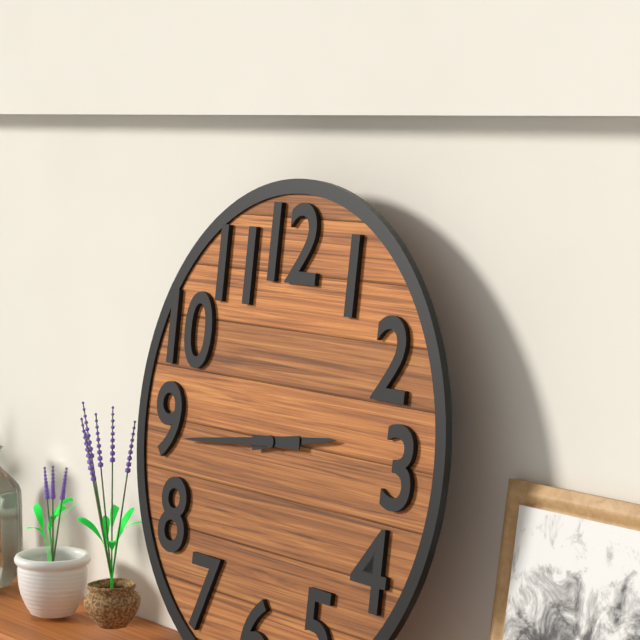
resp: 2,44
